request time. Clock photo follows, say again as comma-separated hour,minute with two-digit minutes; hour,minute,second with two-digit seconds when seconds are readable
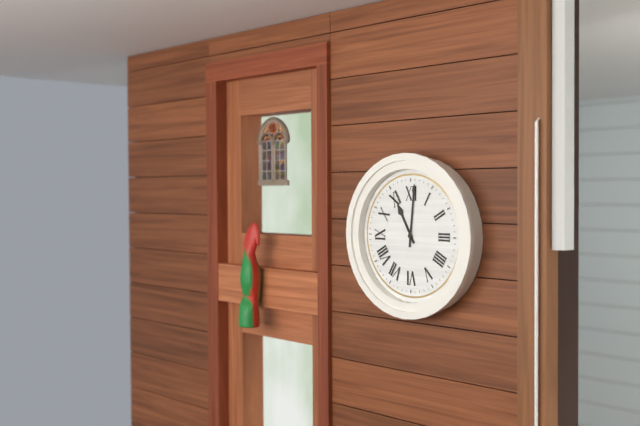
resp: 11,01
